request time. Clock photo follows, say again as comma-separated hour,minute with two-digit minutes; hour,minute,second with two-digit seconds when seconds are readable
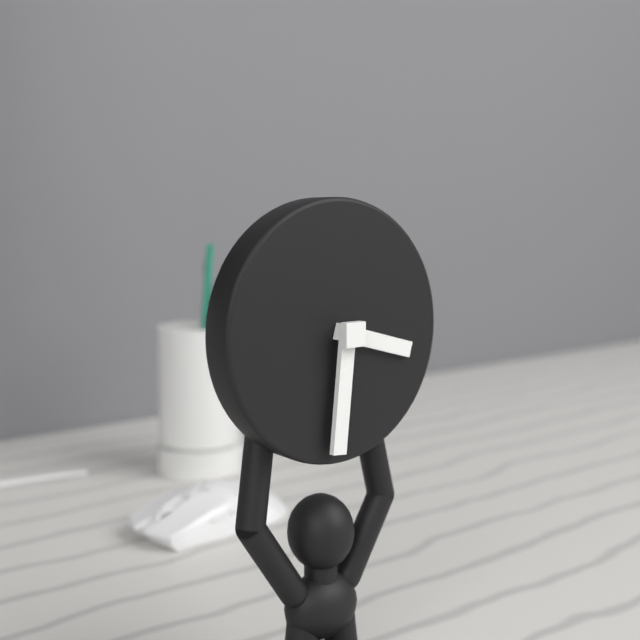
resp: 3,31
